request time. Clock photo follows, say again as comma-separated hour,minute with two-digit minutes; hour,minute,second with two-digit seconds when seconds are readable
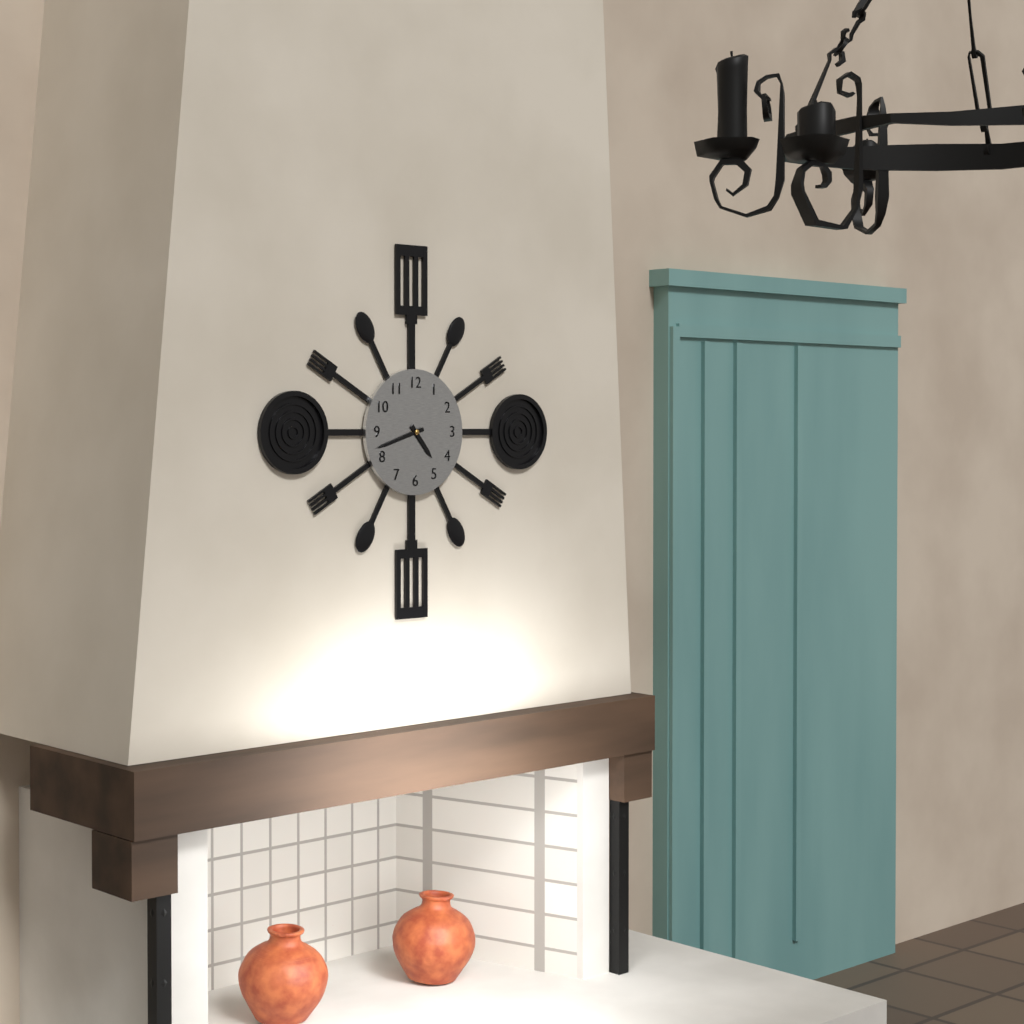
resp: 4,42
